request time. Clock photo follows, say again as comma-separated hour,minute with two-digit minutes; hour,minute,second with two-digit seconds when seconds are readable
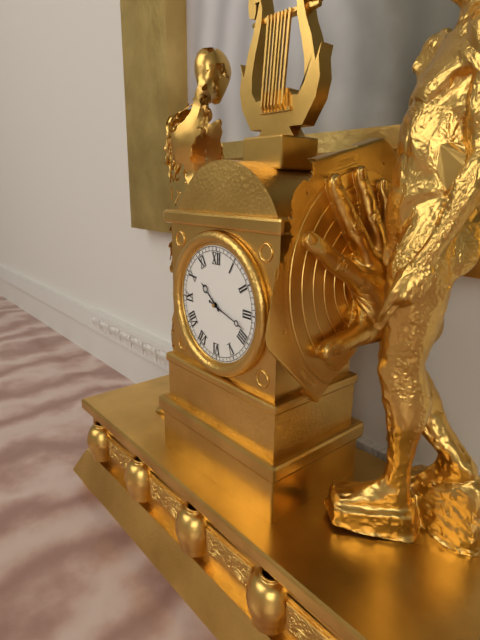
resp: 10,18
